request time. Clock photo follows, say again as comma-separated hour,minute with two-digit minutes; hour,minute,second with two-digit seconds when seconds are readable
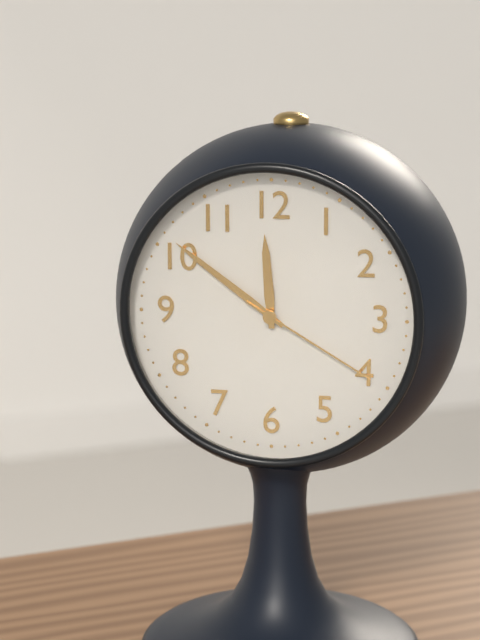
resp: 11,51,20
